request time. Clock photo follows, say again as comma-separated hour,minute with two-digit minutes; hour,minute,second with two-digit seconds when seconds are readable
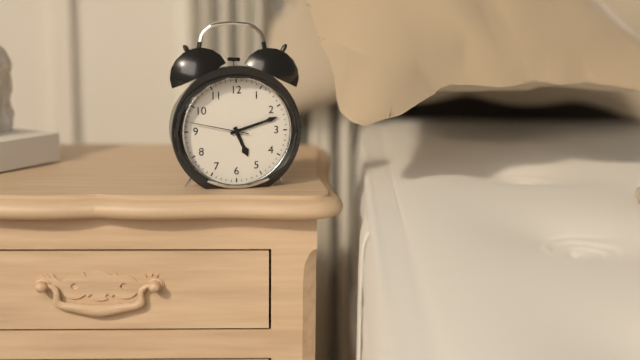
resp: 5,12,47
